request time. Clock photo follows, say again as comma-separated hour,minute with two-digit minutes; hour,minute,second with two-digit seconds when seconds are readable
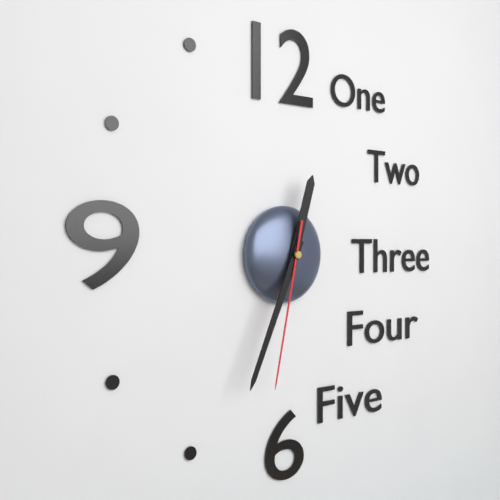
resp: 12,34,32
